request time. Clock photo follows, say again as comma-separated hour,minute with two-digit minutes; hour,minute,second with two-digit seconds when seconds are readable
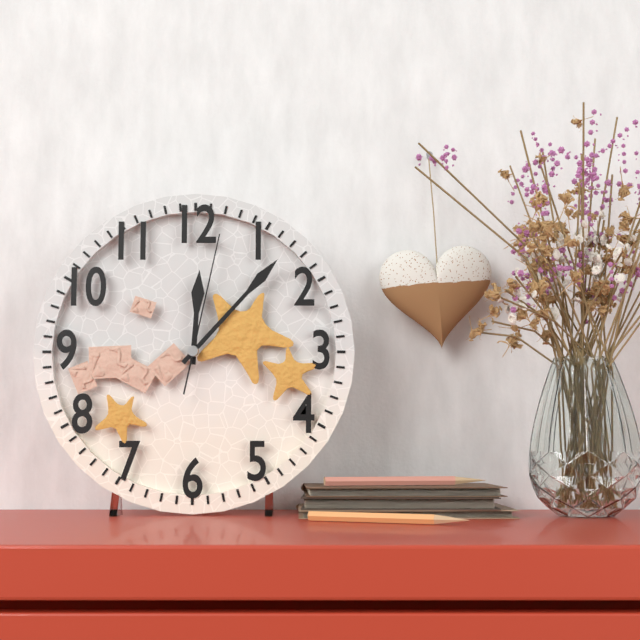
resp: 12,07,02
